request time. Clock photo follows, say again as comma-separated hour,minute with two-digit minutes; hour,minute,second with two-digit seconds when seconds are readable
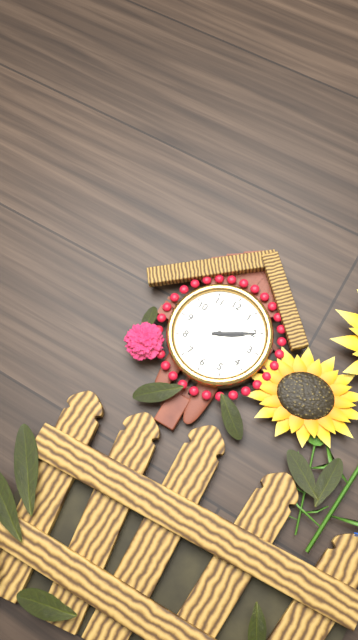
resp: 2,10
